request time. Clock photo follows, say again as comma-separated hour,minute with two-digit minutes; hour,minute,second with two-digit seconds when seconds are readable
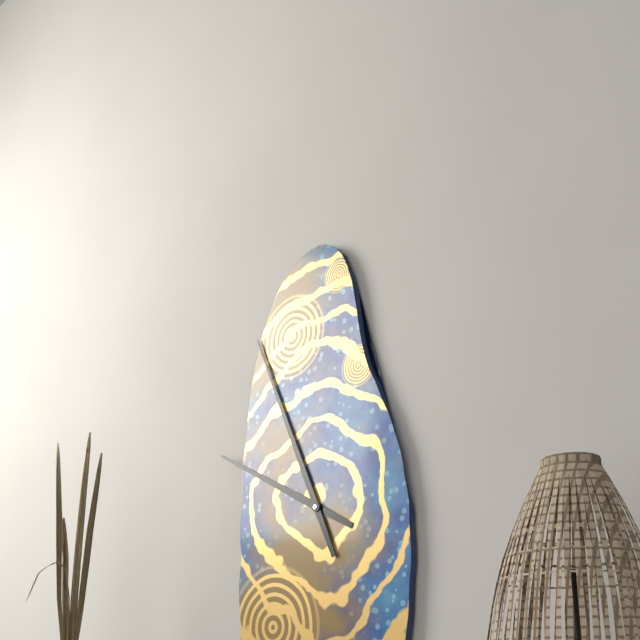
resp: 9,56
